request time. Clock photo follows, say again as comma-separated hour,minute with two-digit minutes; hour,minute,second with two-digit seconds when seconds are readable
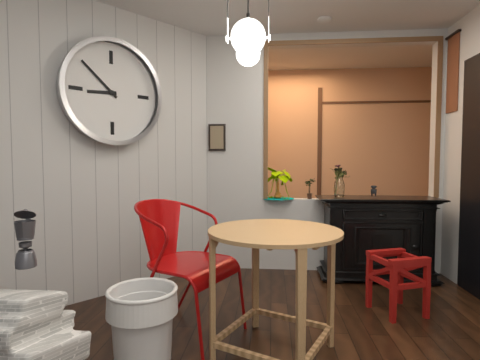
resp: 8,52
